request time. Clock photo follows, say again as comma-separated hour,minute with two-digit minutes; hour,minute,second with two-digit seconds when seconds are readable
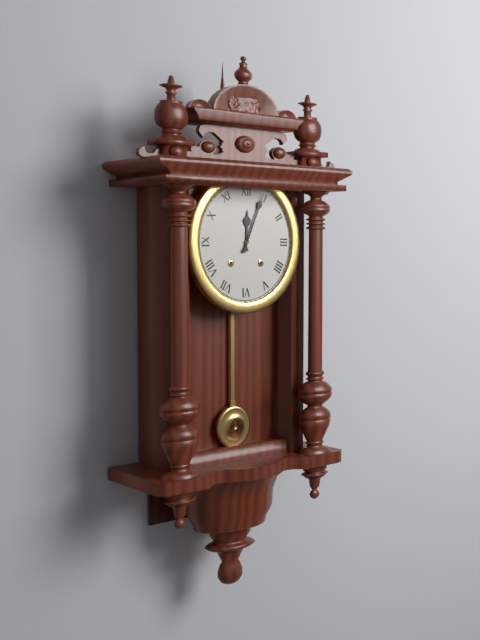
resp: 12,04
